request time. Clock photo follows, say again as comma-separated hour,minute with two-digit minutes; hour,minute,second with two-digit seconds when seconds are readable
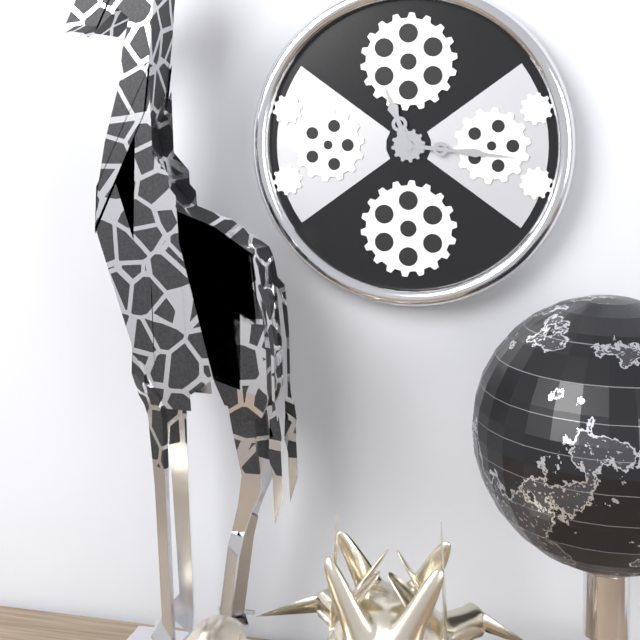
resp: 11,16
